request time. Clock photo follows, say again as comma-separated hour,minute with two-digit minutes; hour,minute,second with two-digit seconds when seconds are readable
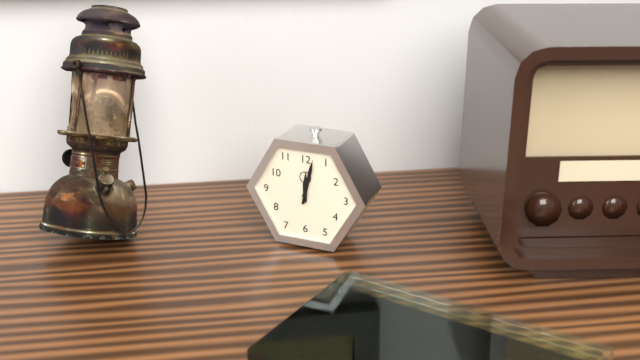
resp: 12,02
